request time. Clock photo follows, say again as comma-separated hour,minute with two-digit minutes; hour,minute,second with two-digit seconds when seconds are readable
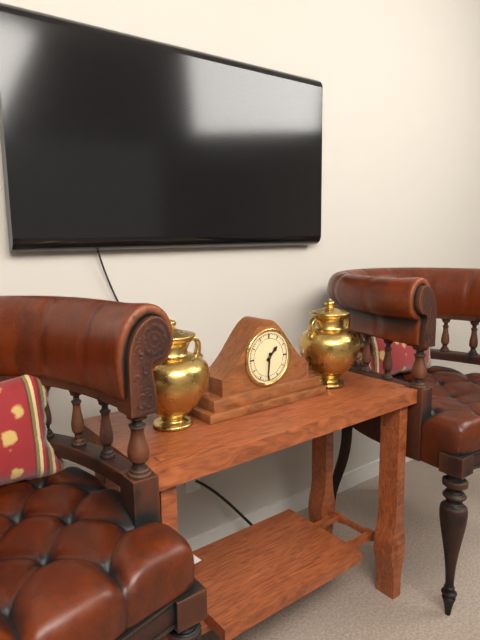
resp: 1,31
